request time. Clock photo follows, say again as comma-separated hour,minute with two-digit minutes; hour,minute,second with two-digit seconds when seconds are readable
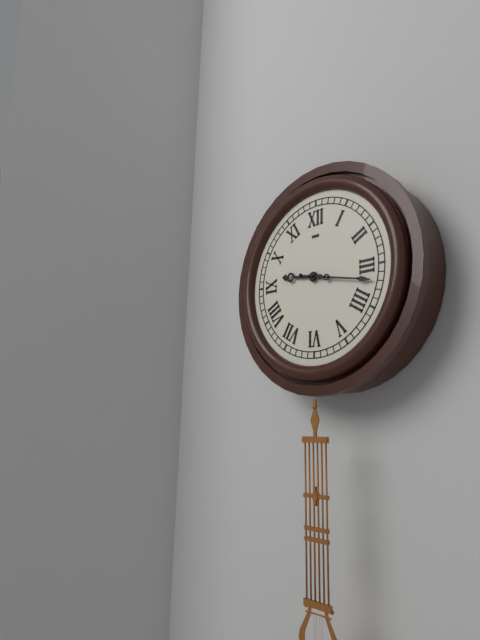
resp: 9,17
